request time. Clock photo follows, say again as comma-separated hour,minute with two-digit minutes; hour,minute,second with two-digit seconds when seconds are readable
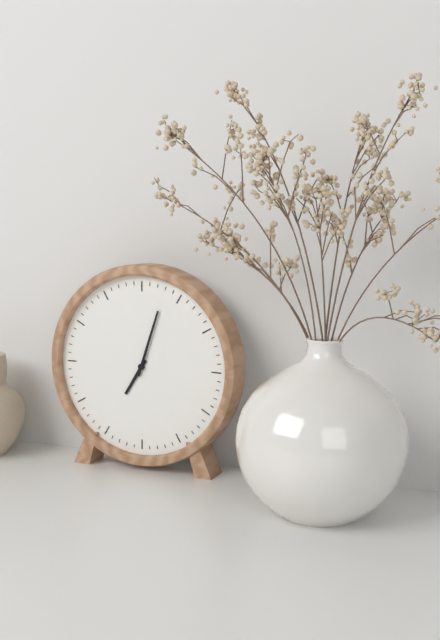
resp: 7,03
